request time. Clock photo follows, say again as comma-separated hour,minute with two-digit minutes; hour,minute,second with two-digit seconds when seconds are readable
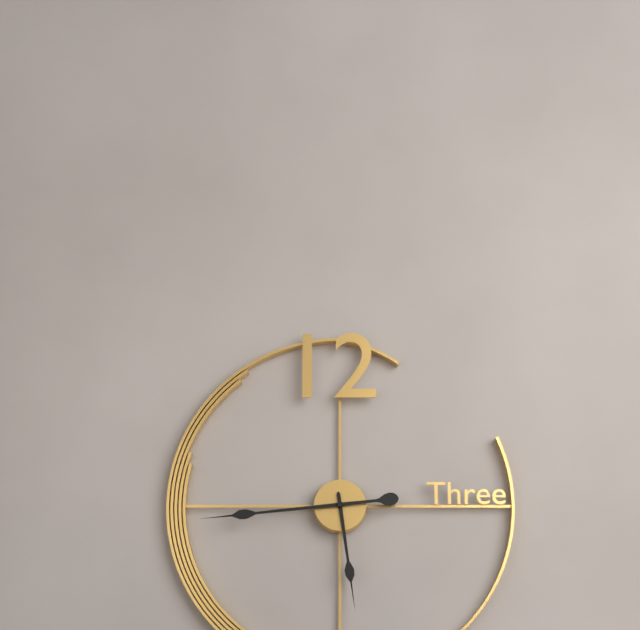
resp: 5,44
